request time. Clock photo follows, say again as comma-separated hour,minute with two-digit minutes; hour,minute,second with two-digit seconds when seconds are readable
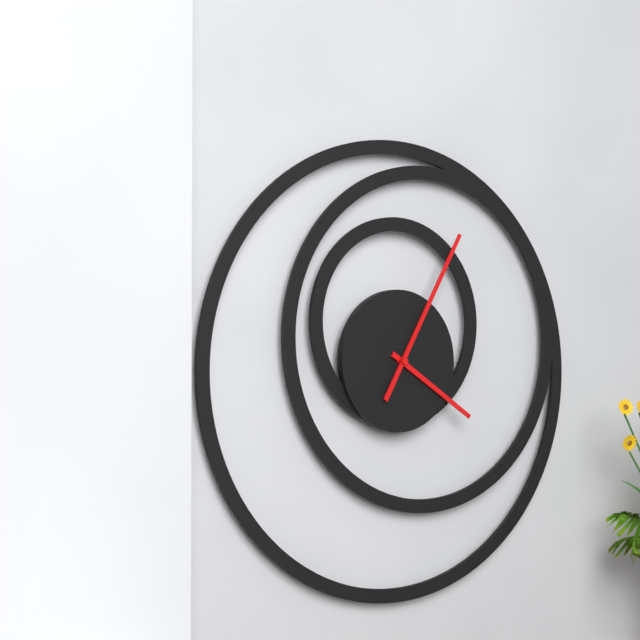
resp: 4,05
